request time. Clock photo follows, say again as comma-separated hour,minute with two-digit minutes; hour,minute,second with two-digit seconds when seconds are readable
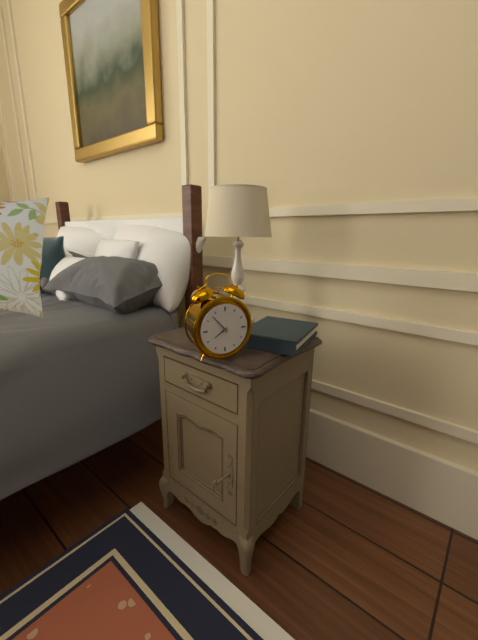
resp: 7,53
